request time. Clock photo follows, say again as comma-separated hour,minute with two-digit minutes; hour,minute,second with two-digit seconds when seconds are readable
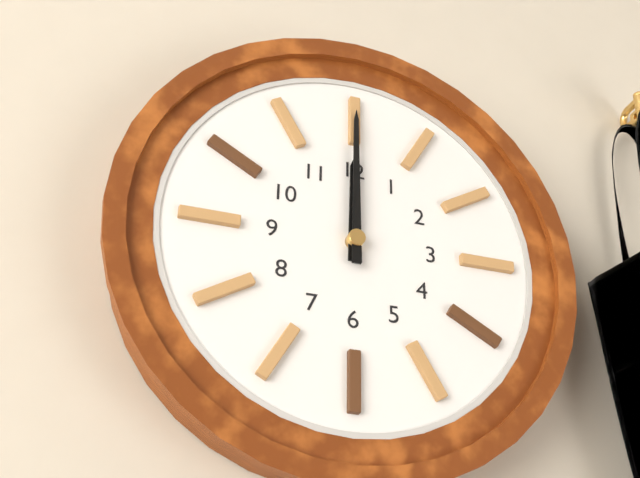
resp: 12,00
